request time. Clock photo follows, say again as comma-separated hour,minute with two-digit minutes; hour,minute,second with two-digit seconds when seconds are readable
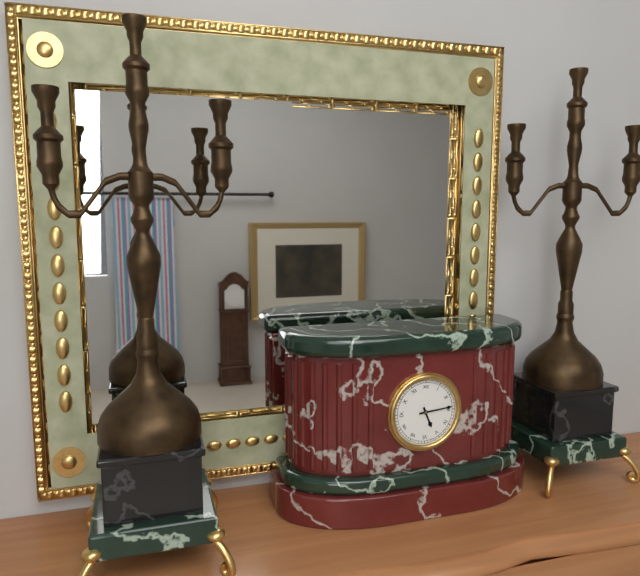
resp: 5,14
